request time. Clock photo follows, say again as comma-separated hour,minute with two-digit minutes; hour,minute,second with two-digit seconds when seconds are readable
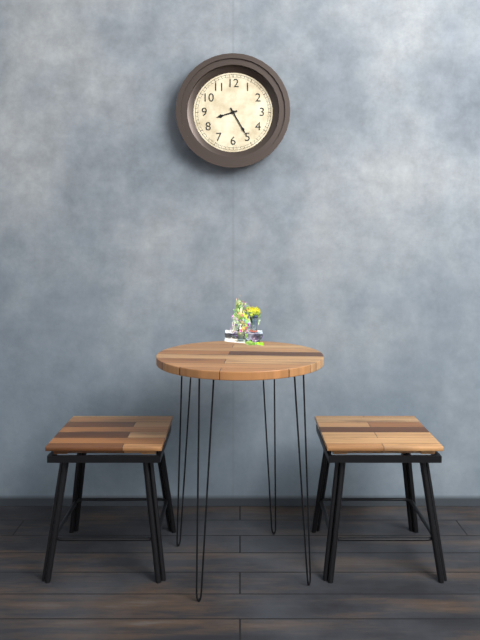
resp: 8,25
